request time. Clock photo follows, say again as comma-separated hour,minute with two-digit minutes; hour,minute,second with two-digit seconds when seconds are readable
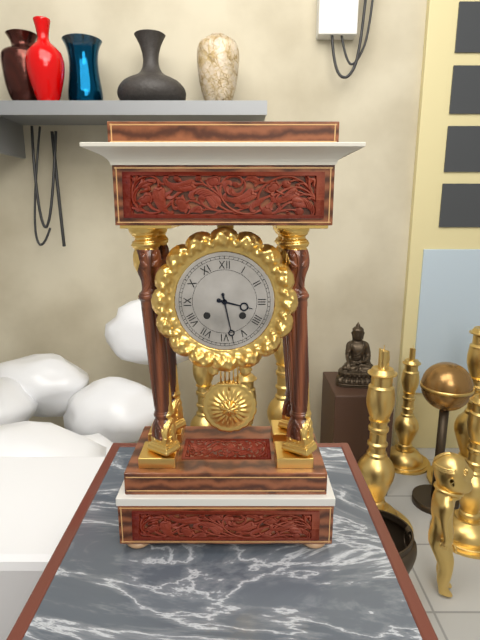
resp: 3,28
